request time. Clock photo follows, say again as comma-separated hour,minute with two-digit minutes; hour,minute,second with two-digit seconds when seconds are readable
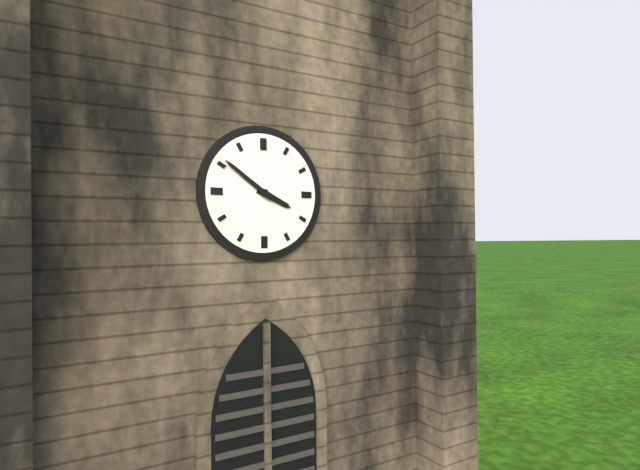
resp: 3,51
